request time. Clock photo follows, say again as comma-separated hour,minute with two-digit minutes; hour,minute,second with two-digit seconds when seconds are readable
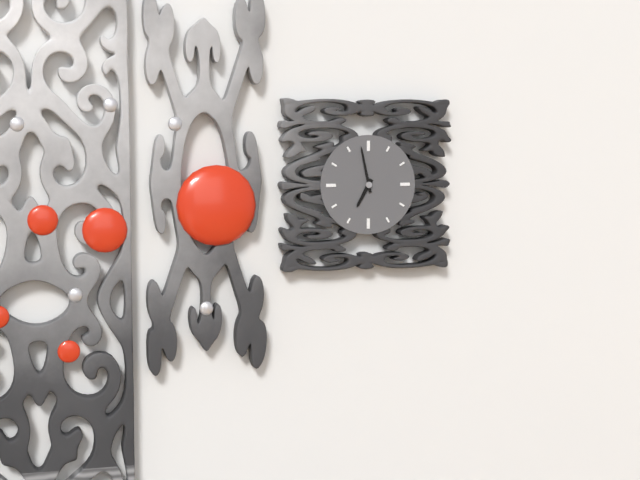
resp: 6,58
